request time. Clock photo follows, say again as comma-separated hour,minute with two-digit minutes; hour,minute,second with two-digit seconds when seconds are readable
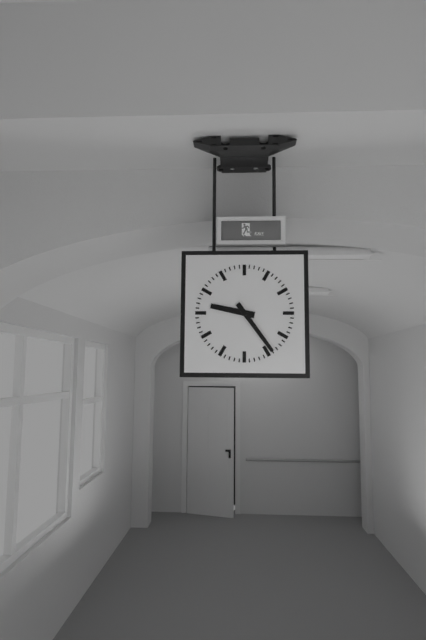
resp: 9,24
